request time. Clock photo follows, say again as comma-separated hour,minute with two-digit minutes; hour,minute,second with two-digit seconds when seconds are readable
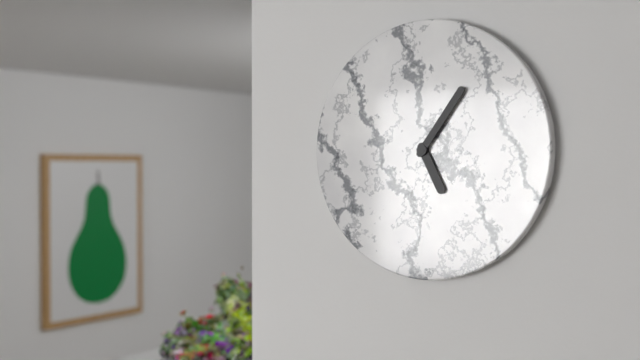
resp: 5,06
